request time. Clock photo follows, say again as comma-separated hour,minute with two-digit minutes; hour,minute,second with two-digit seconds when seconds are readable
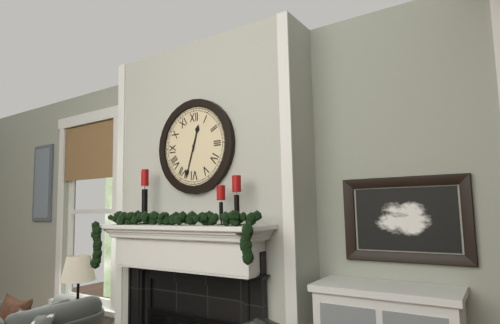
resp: 12,33
